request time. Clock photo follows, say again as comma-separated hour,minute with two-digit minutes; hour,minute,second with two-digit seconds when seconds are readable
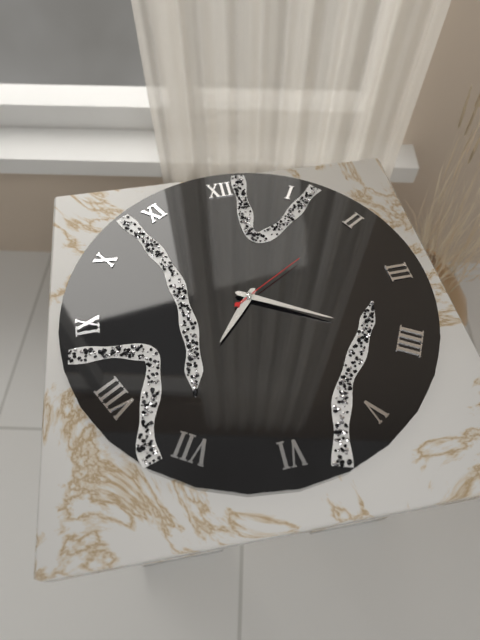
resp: 7,20,10
